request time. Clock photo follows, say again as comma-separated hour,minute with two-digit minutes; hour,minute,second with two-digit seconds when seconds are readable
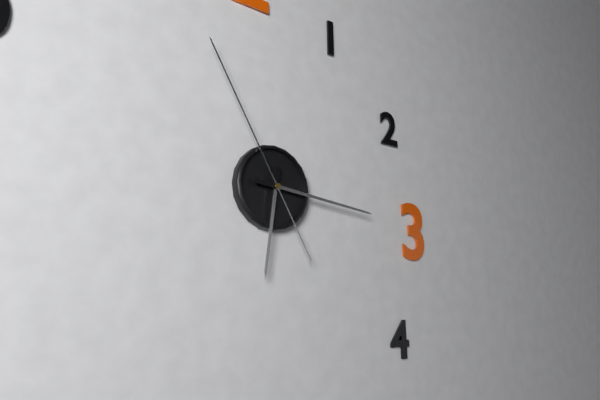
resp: 6,16,55
